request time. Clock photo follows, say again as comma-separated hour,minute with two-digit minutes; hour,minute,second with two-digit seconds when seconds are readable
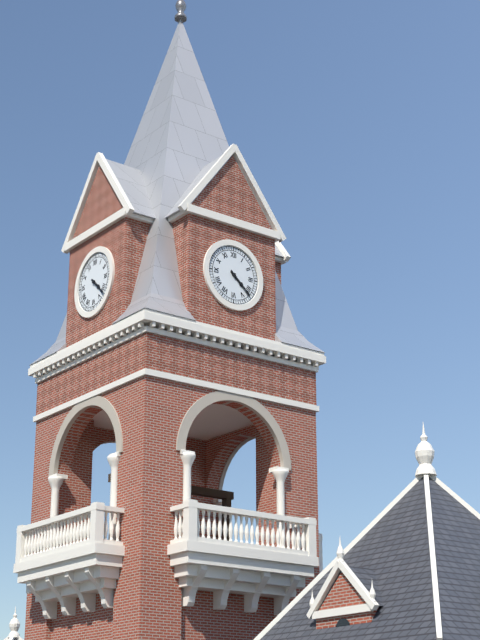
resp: 4,22
